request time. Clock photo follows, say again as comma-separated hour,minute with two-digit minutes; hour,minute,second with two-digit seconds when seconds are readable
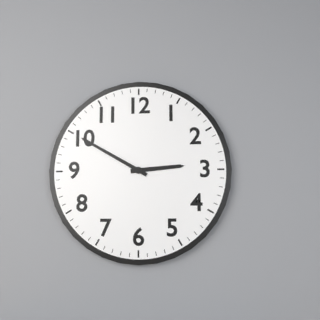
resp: 2,50
